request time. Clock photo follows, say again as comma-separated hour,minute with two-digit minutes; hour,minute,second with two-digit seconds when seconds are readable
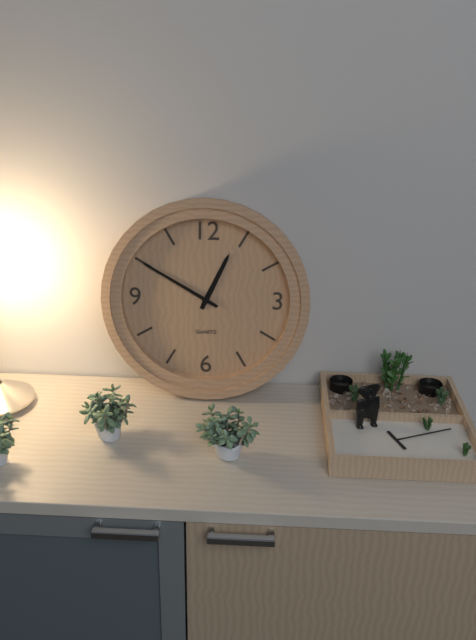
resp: 12,50
